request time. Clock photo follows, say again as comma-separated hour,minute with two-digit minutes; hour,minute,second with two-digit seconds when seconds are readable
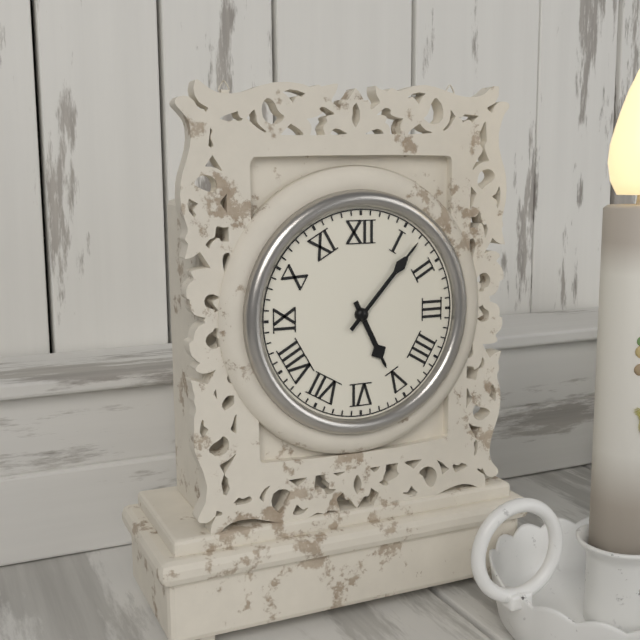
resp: 5,07
